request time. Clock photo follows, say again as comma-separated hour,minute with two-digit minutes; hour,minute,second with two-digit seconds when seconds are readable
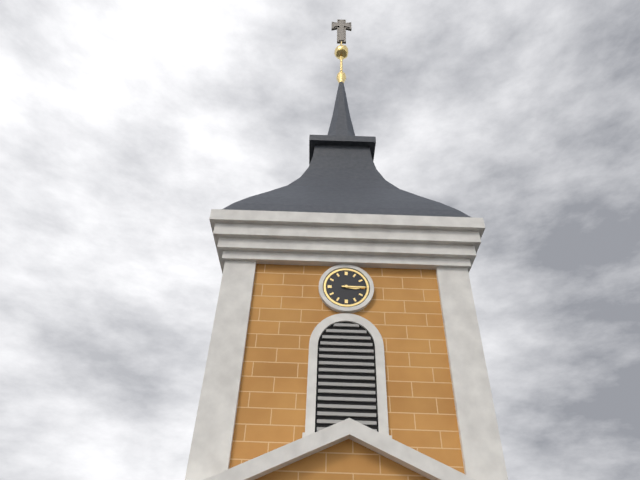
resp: 3,15
